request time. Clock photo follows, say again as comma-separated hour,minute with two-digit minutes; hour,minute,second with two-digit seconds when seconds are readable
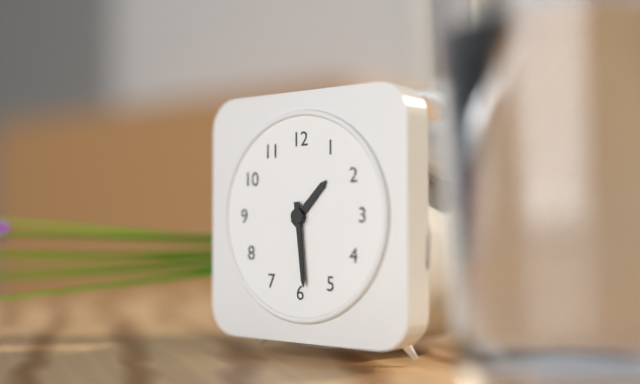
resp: 1,29
